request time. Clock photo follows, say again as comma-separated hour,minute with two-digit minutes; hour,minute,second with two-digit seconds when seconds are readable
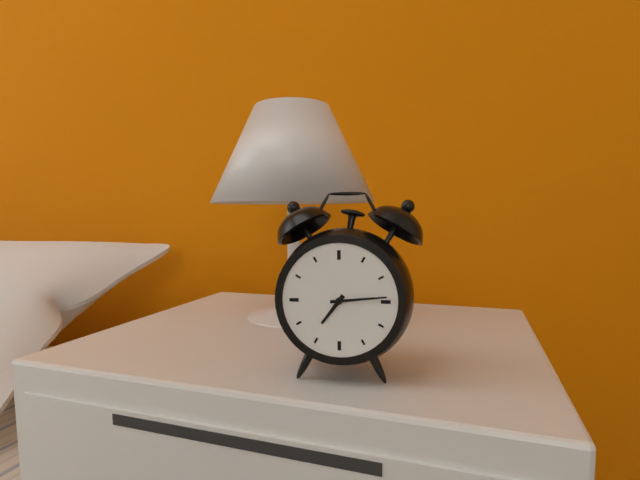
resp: 7,14
